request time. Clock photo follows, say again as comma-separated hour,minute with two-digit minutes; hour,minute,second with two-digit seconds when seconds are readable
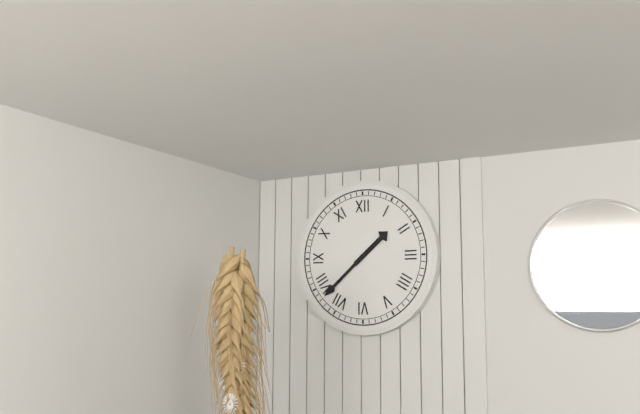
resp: 1,38
